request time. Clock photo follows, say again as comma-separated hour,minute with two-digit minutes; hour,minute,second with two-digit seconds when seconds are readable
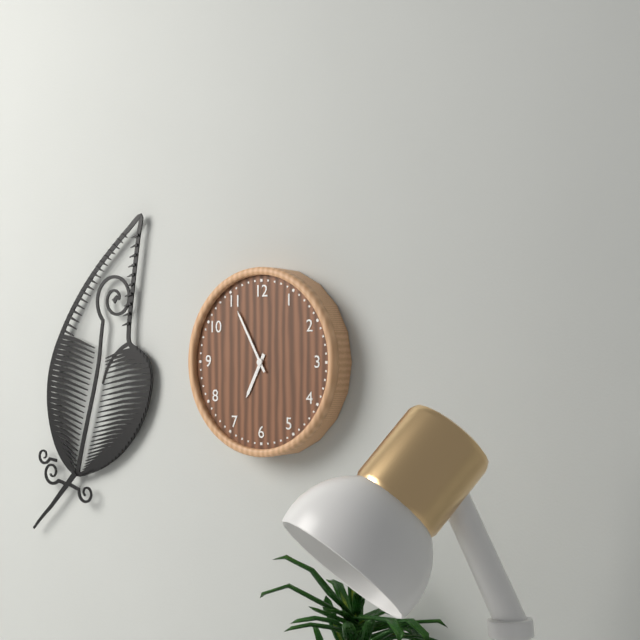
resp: 6,55
